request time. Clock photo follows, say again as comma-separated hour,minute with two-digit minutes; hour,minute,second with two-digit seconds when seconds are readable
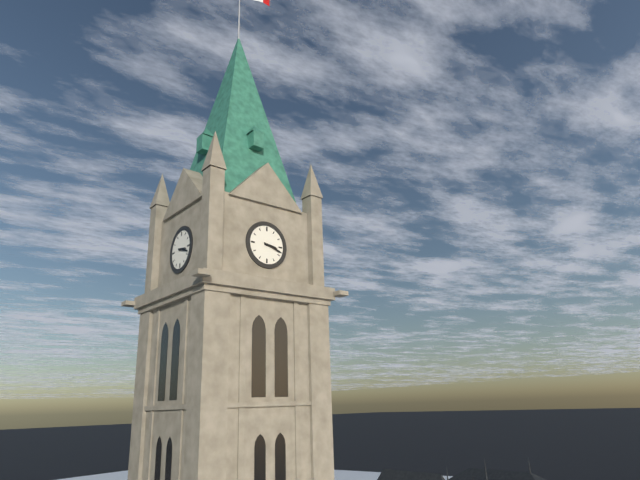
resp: 3,18
